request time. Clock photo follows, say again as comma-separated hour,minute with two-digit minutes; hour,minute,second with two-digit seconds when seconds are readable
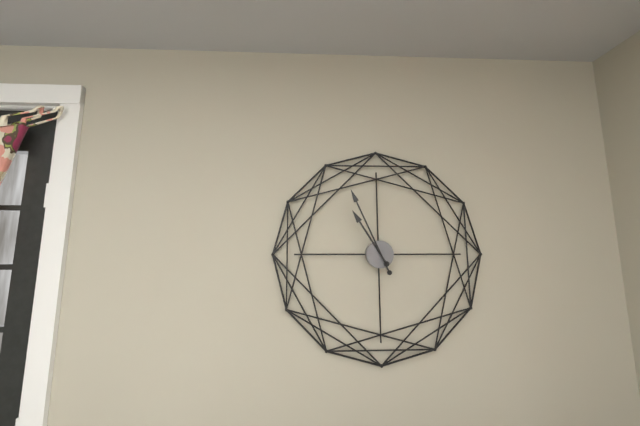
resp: 10,56
